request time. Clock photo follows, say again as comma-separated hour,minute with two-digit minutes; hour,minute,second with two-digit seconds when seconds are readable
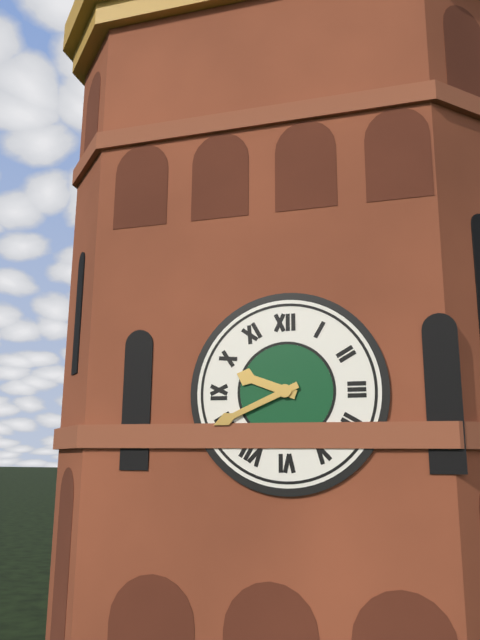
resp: 9,41
